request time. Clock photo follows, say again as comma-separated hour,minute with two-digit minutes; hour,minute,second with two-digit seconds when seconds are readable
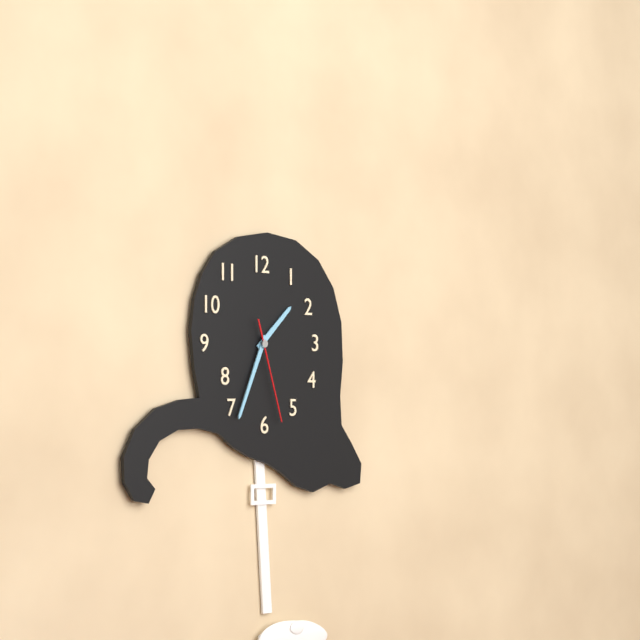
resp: 1,34,27
